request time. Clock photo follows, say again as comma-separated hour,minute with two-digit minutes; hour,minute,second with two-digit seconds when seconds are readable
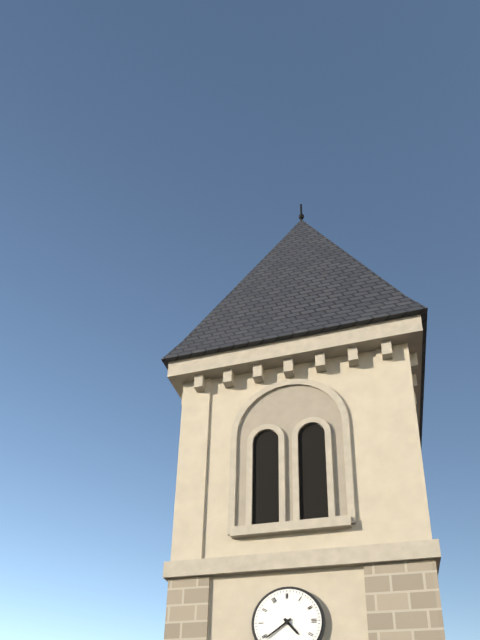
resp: 4,39
